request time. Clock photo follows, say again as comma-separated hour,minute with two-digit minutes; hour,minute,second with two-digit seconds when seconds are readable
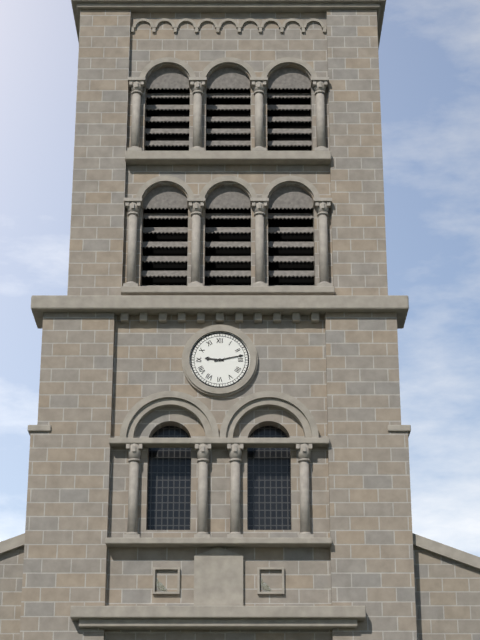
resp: 9,13
